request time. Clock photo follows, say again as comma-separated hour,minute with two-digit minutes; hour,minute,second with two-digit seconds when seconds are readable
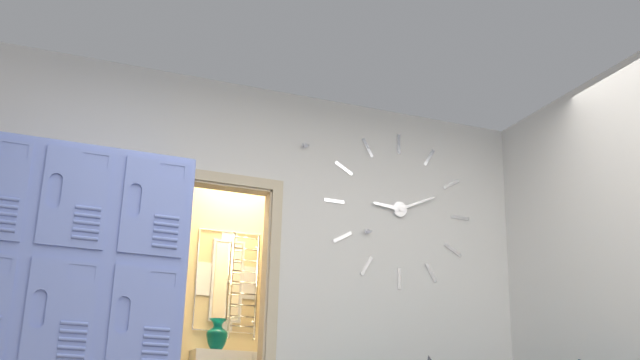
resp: 9,11
